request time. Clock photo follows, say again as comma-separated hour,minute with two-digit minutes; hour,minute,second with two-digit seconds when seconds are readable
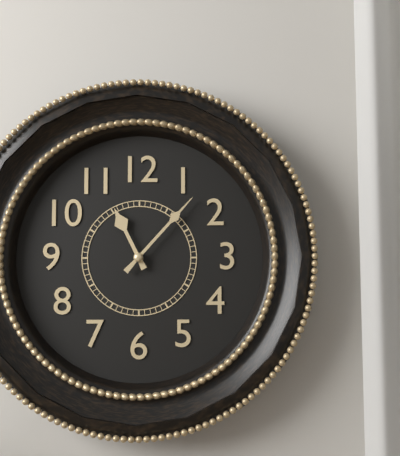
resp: 11,07
